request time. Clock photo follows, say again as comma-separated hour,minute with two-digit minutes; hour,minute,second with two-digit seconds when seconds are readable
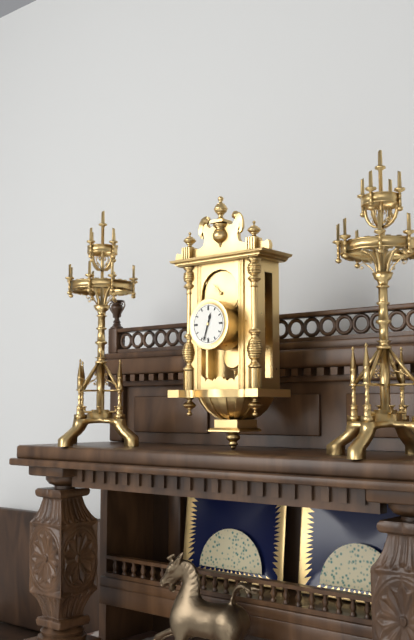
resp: 12,33
